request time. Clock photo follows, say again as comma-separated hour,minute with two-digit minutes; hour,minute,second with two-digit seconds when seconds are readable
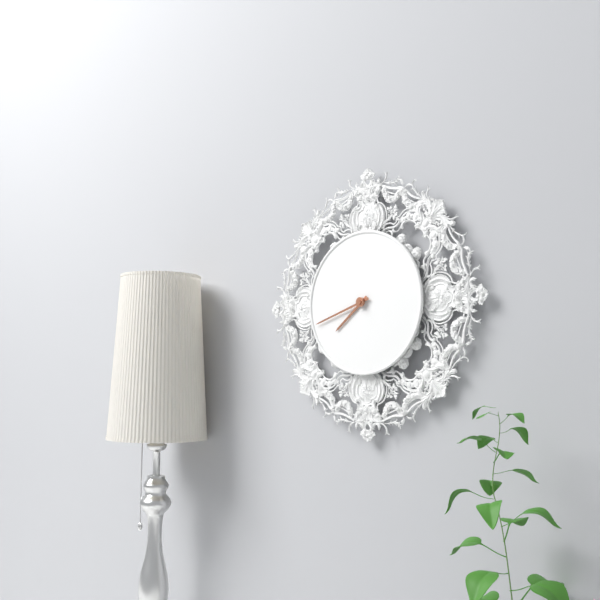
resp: 7,42
